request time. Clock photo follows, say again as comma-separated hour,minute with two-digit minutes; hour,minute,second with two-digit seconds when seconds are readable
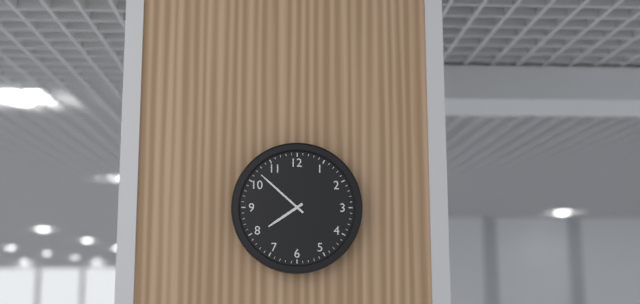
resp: 7,52
